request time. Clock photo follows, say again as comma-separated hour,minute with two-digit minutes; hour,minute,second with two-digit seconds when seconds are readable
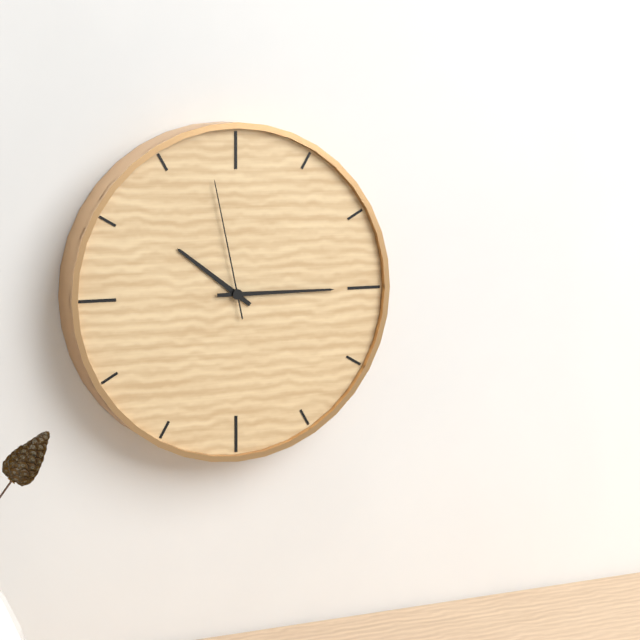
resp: 10,15,58
